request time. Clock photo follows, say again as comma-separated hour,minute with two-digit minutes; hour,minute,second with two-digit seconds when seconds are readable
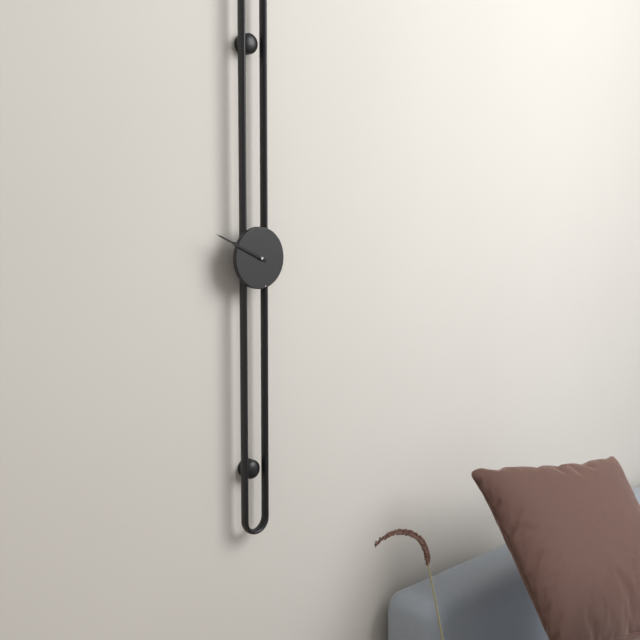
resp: 9,49
